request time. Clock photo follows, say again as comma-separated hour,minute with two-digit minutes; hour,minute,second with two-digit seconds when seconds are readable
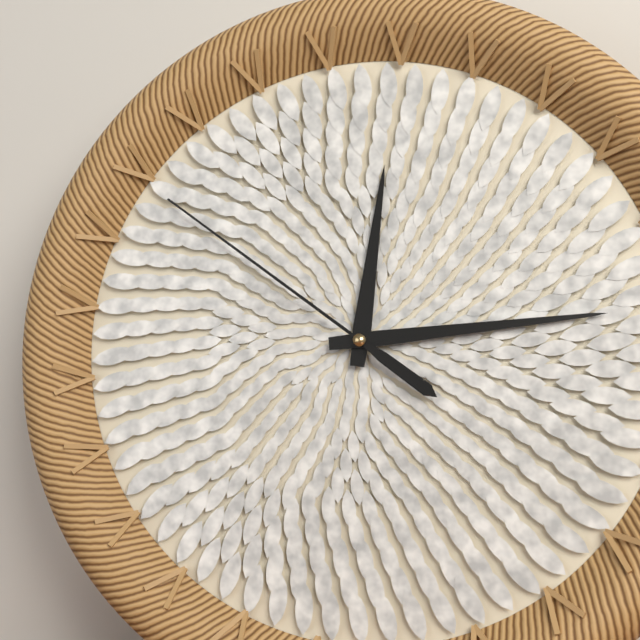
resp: 12,14,51
